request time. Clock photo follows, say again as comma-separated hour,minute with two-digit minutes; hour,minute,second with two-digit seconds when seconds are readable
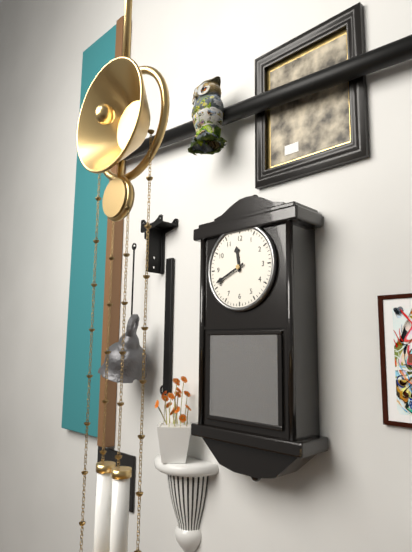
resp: 11,41
